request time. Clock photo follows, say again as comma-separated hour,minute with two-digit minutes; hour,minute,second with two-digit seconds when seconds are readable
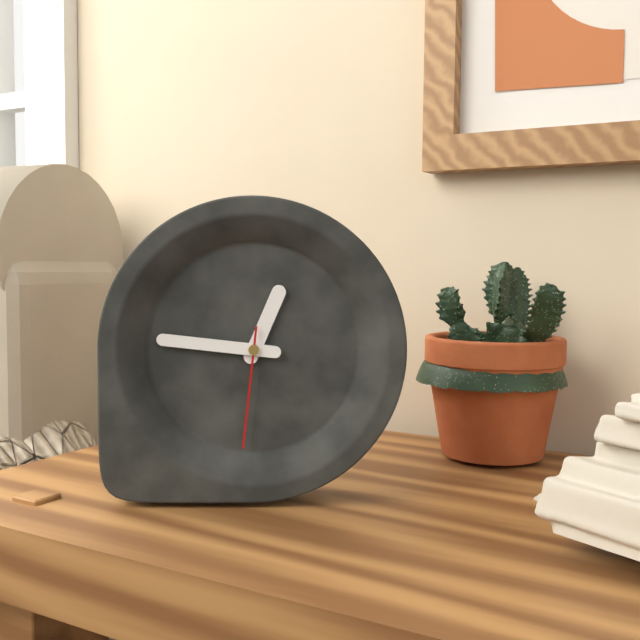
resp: 12,46,31
